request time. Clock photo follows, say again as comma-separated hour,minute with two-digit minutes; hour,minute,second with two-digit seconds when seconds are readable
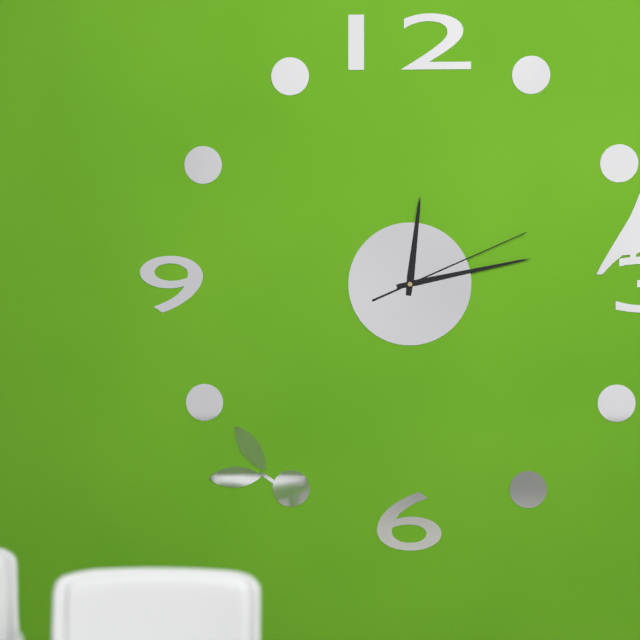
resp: 12,13,11
